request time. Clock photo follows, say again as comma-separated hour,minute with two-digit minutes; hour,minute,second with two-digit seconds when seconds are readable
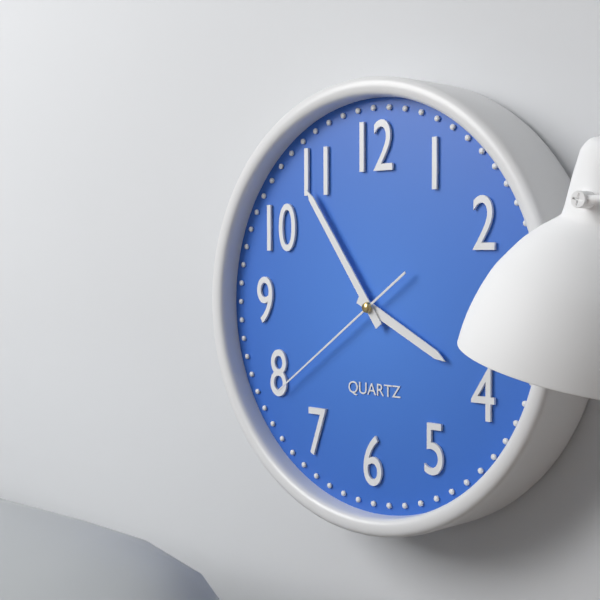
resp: 3,54,39
